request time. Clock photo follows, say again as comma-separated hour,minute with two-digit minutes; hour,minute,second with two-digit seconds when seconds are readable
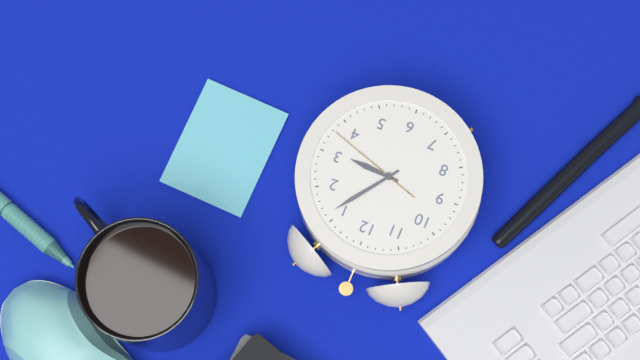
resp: 3,06,18
